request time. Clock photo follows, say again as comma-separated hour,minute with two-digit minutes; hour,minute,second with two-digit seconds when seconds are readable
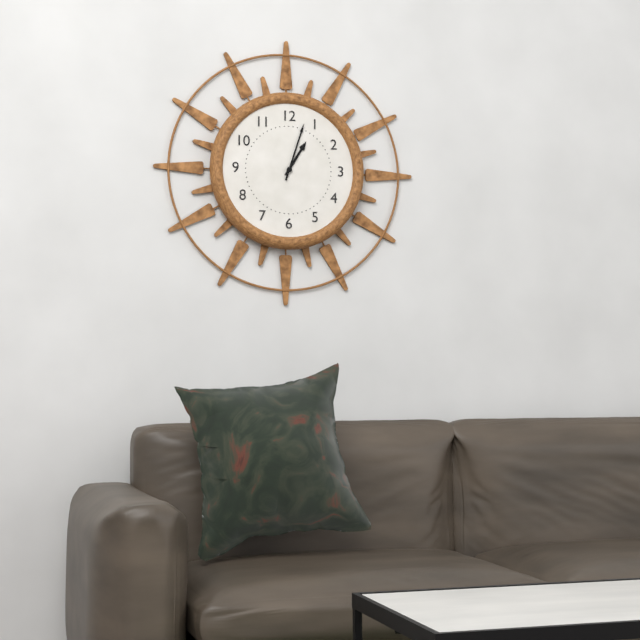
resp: 1,03
